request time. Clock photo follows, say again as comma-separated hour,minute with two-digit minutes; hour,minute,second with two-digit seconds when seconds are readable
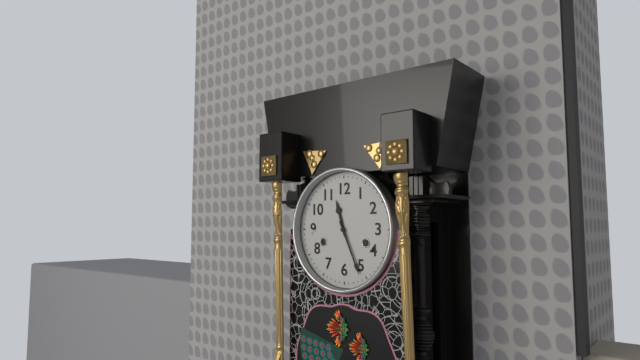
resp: 11,26
